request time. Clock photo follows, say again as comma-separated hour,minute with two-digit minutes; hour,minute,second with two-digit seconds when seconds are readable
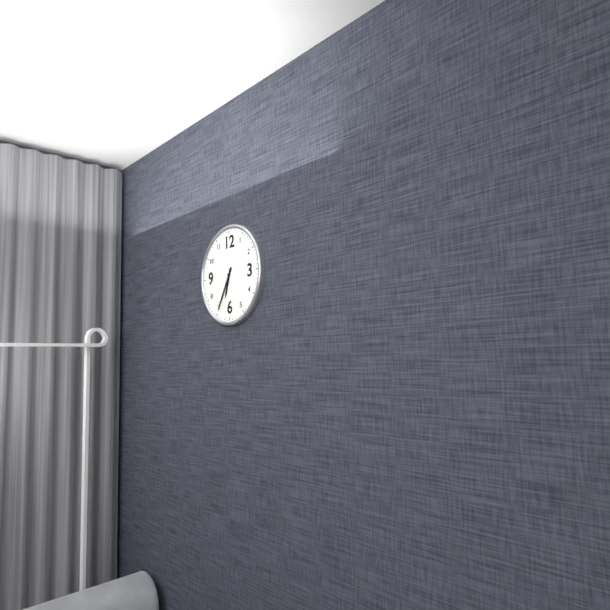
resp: 6,35
